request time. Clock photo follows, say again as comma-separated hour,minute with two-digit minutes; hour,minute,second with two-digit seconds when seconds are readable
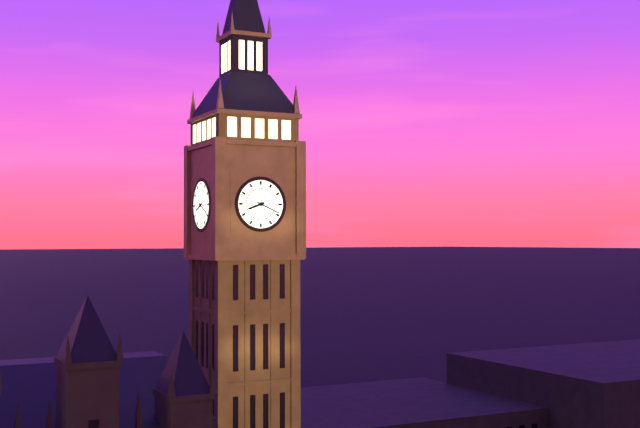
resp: 8,19
